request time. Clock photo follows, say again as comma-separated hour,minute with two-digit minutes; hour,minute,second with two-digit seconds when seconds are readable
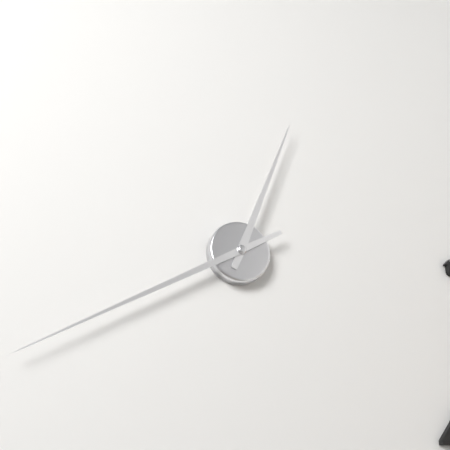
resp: 12,40
